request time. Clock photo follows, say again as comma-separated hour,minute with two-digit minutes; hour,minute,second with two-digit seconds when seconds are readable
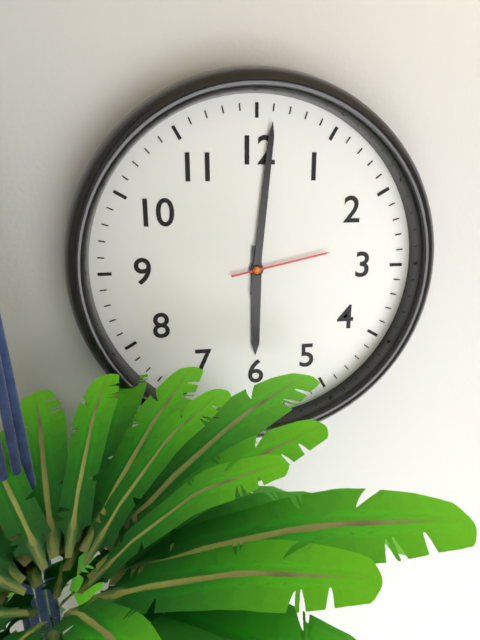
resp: 6,01,13
